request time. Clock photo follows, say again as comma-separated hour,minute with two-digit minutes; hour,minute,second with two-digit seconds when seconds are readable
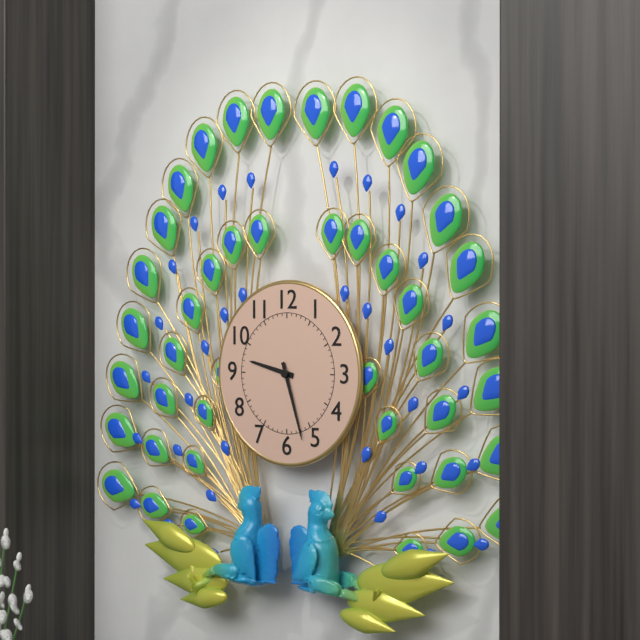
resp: 9,27
